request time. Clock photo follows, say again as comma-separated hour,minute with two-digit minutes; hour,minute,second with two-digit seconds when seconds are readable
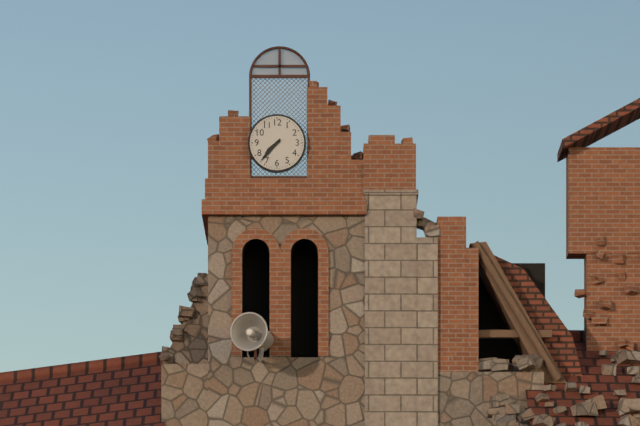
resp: 7,37
